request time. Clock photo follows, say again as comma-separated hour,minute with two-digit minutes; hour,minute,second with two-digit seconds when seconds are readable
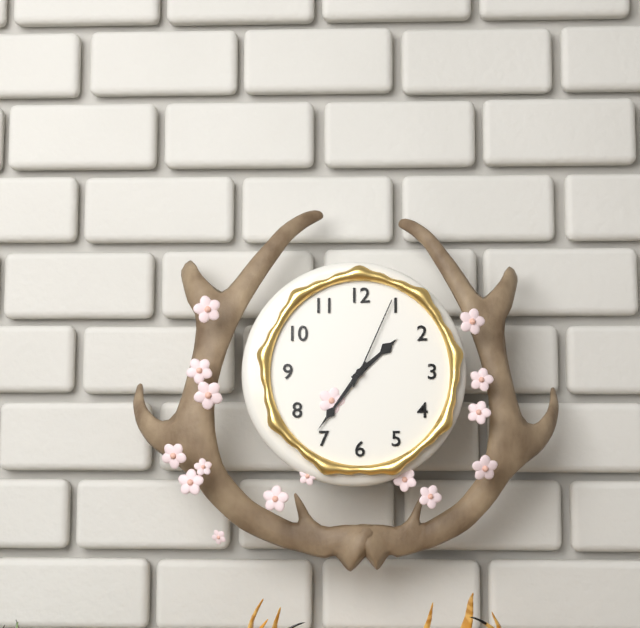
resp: 1,36,04
